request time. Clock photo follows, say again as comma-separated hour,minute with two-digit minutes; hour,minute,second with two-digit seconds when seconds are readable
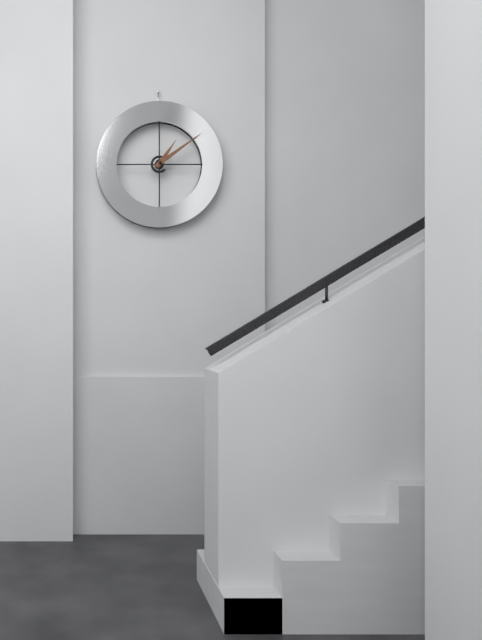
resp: 1,09
